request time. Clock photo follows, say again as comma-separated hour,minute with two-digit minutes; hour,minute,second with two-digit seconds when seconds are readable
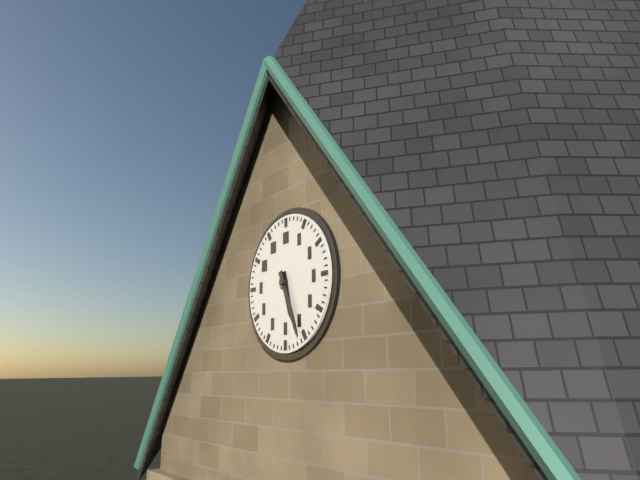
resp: 5,26
